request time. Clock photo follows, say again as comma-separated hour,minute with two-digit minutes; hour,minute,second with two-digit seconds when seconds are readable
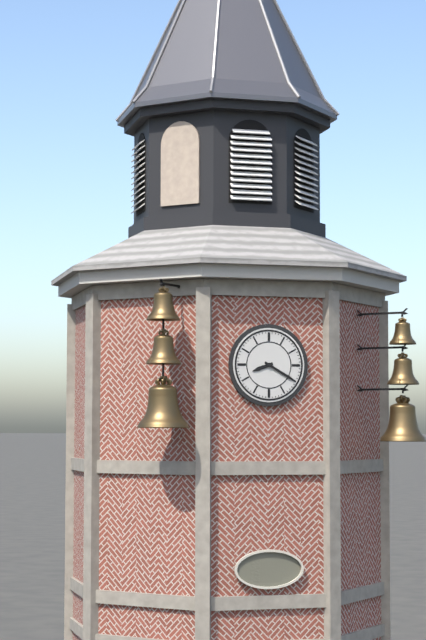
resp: 8,20
